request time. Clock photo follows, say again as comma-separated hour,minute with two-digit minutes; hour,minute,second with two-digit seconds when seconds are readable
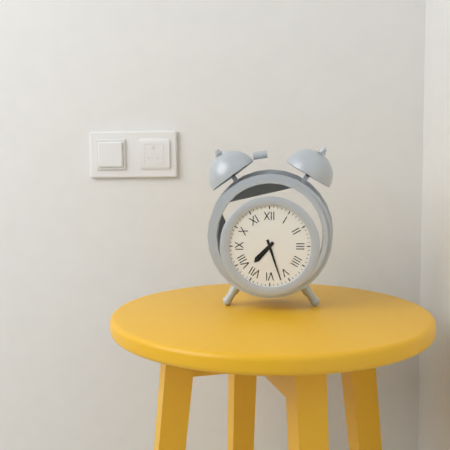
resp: 7,27
